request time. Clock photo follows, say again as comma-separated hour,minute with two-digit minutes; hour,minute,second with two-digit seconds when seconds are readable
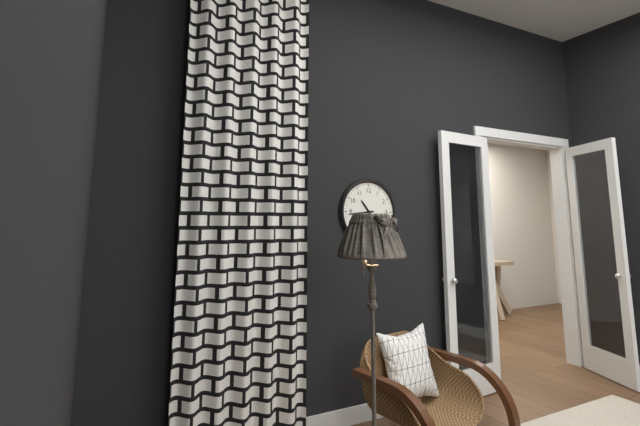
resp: 10,44
